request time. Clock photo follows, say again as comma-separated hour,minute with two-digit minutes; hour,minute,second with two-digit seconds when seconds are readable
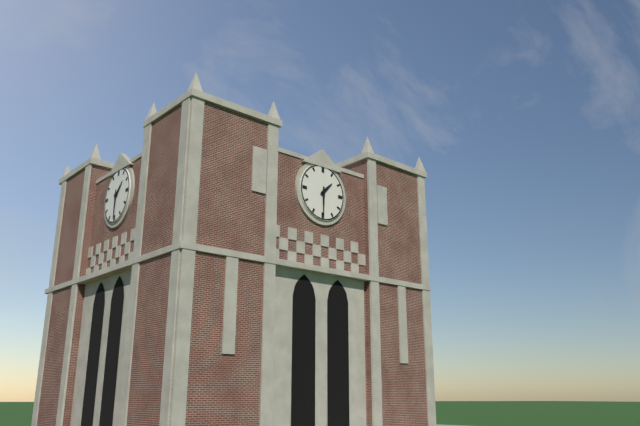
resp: 1,30
